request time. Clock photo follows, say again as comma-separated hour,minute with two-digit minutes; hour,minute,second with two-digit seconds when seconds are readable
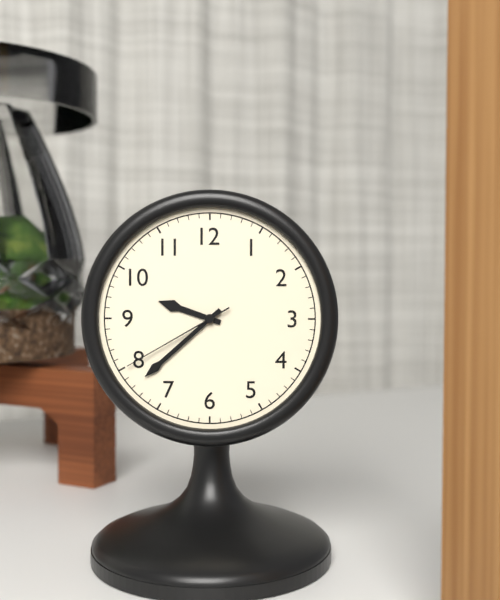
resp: 9,38,40
